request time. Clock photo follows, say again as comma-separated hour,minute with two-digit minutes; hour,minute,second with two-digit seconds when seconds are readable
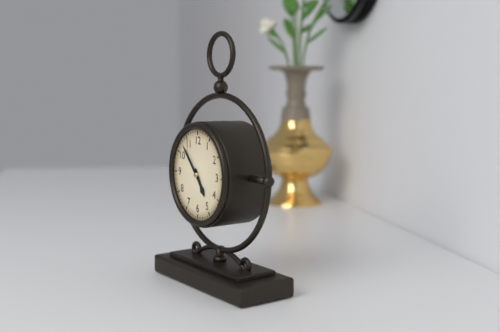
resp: 4,53
